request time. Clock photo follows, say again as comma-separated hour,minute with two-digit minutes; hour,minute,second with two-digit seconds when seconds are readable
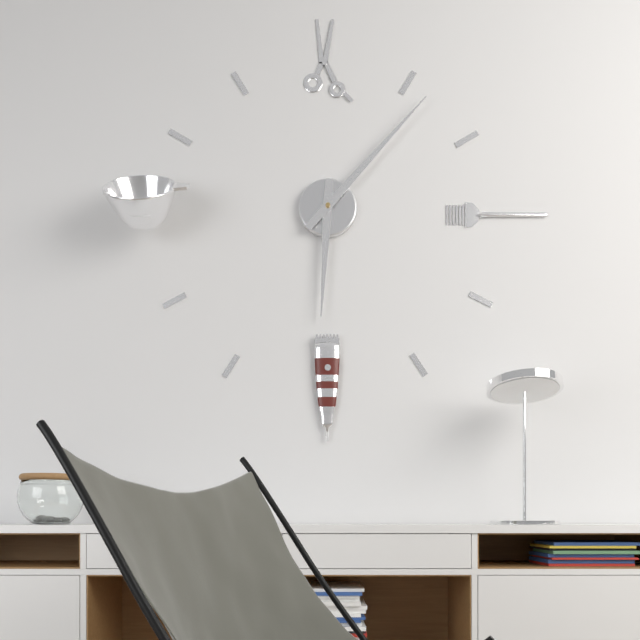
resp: 6,07
